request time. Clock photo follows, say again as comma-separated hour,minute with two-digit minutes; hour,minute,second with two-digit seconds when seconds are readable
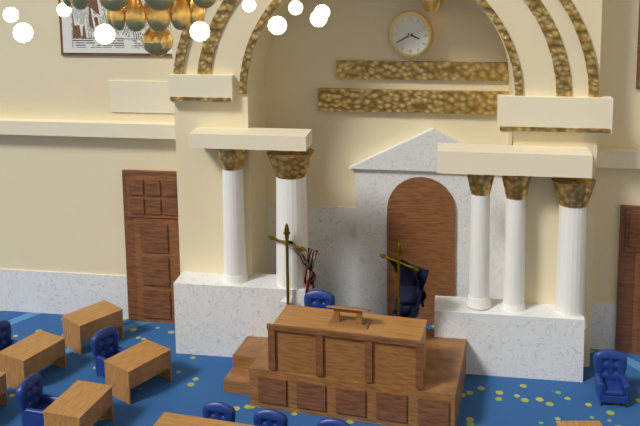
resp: 3,40
